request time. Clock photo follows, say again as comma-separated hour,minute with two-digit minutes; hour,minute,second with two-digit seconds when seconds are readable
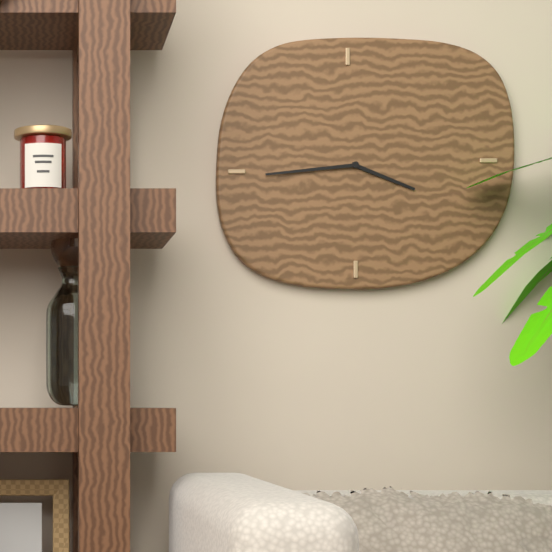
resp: 3,44
